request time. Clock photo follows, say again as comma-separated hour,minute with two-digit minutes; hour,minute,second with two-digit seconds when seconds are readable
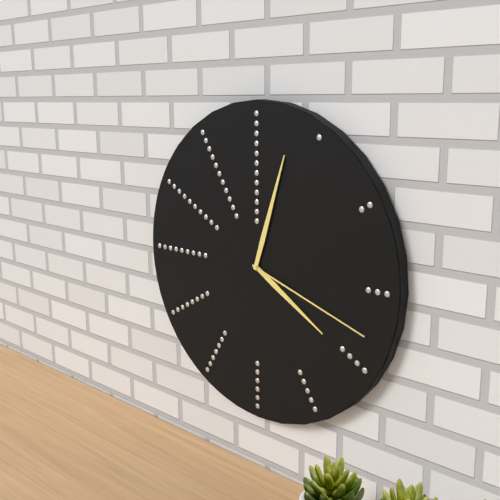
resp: 4,03,18
